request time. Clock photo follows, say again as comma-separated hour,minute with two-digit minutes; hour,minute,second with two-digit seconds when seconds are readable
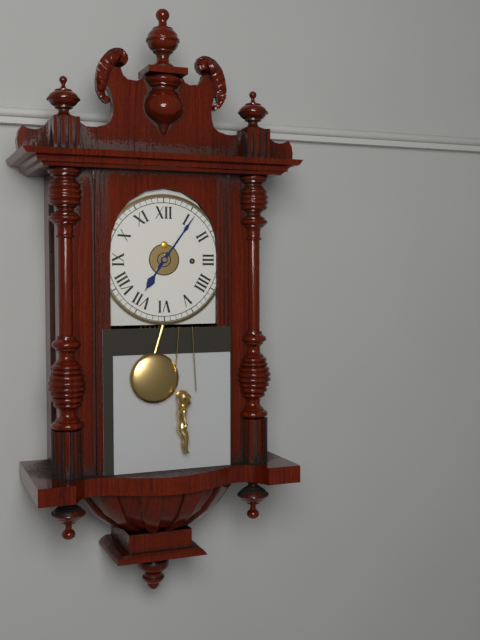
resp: 7,06
